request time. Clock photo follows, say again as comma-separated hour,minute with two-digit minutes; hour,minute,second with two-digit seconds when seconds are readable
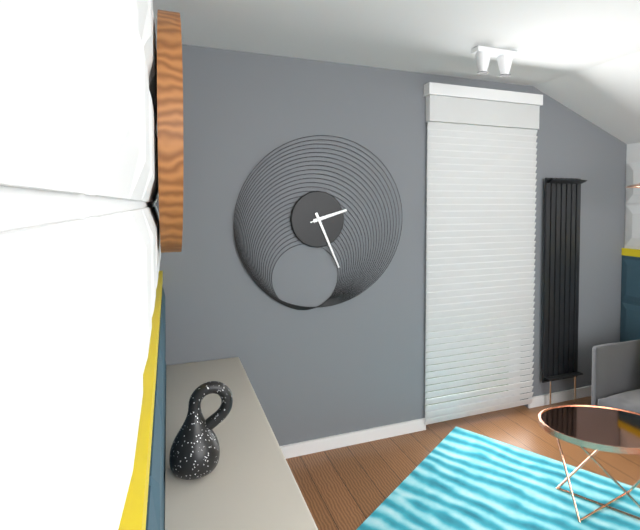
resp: 2,26
